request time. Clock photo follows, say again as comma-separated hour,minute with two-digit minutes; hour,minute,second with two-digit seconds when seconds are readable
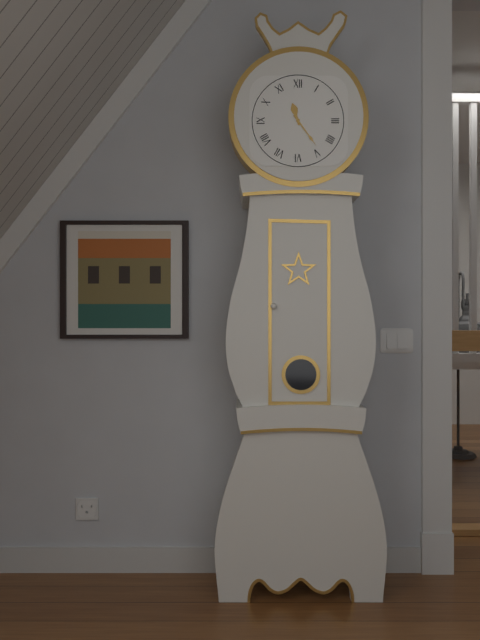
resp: 11,24
